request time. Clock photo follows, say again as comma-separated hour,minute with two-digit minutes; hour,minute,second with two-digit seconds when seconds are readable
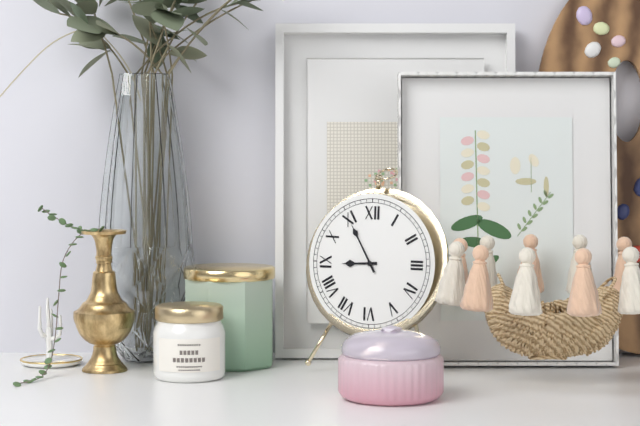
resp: 8,55
